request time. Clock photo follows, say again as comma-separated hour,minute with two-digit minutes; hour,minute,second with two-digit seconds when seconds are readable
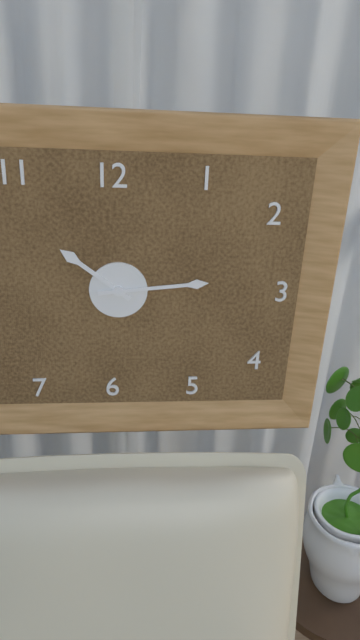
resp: 10,14
